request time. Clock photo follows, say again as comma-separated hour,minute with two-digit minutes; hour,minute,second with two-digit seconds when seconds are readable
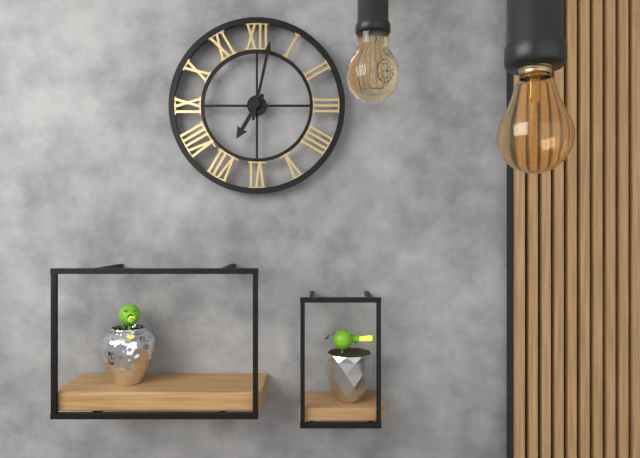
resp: 7,02
